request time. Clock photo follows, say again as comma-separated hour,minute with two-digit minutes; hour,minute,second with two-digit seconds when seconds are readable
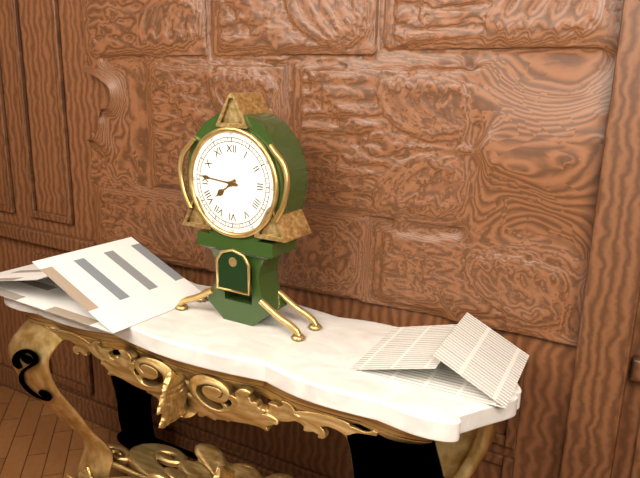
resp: 7,46
